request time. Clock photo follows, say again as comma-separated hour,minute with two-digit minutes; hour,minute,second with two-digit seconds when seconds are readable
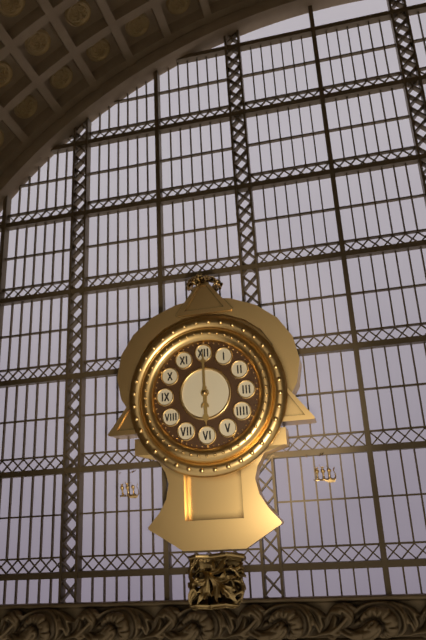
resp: 6,00
